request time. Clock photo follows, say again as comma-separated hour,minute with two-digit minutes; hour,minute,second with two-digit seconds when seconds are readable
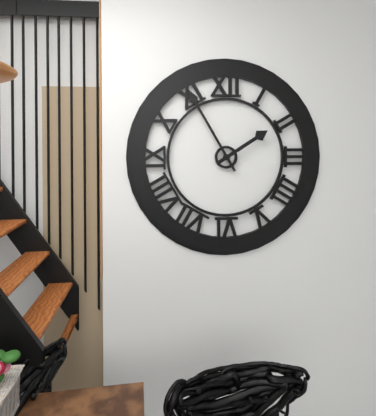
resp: 1,55
